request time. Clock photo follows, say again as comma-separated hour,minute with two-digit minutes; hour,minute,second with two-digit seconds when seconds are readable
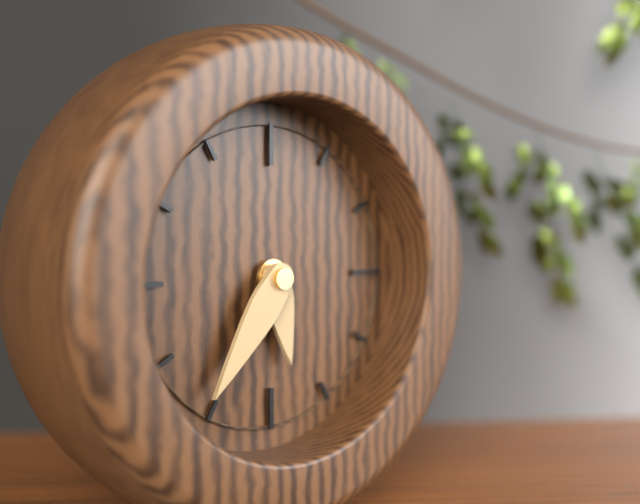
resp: 5,36
